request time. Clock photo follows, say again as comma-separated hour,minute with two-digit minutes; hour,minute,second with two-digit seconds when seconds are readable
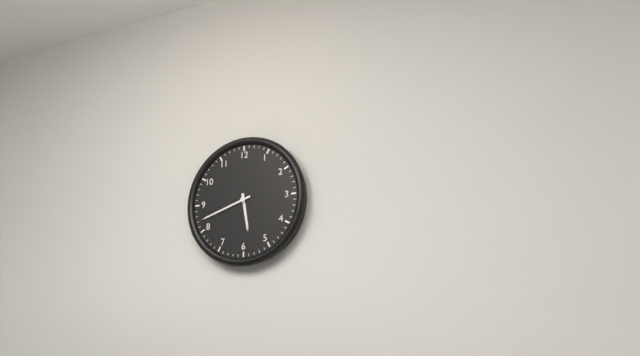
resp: 5,42
